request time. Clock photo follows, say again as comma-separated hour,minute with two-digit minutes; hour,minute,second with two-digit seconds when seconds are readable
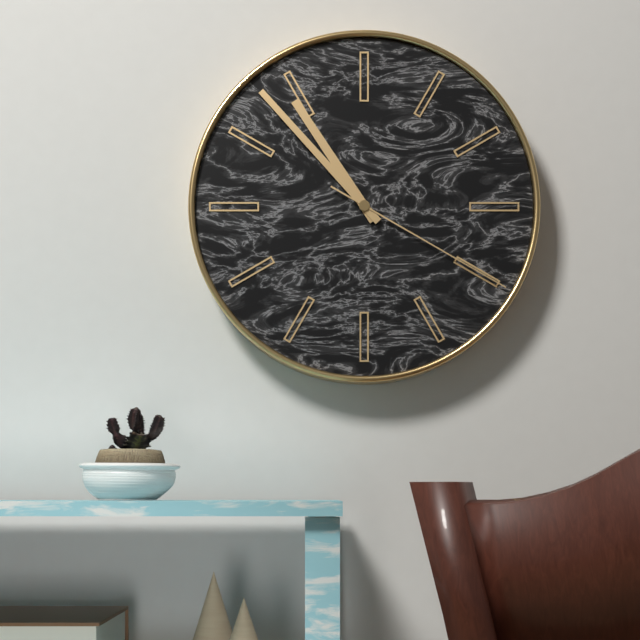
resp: 10,53,20
